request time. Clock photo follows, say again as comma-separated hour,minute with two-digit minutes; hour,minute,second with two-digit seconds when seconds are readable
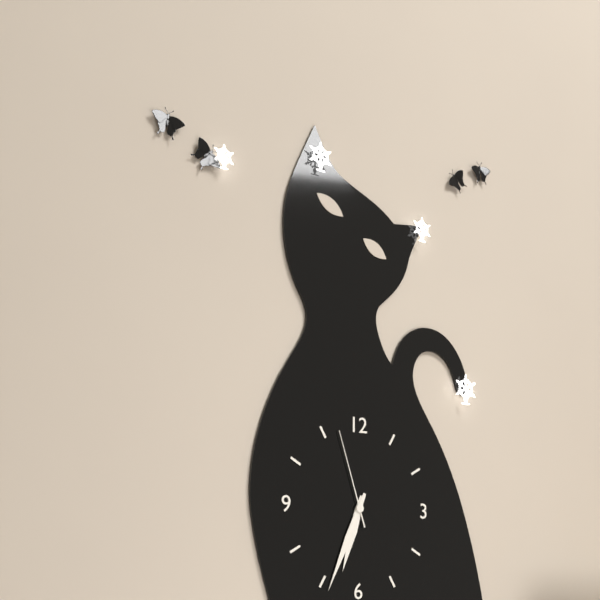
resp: 6,34,57
